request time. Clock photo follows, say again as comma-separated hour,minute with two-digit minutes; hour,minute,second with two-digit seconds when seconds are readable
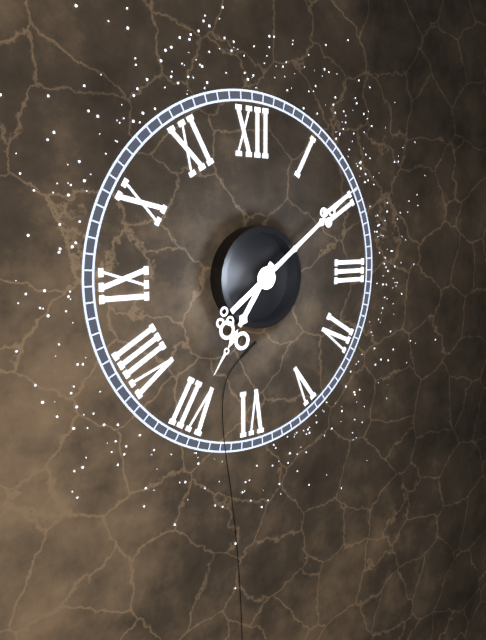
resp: 7,09
